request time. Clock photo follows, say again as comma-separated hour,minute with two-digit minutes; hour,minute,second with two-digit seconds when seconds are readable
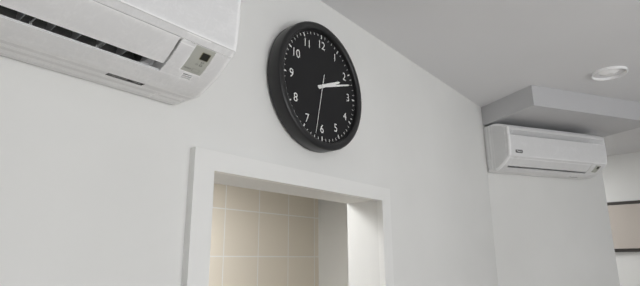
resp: 2,12,32
